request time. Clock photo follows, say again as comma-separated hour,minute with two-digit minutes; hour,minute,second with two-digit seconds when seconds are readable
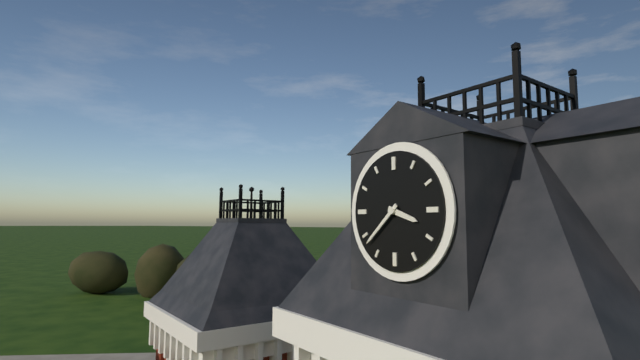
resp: 3,38
